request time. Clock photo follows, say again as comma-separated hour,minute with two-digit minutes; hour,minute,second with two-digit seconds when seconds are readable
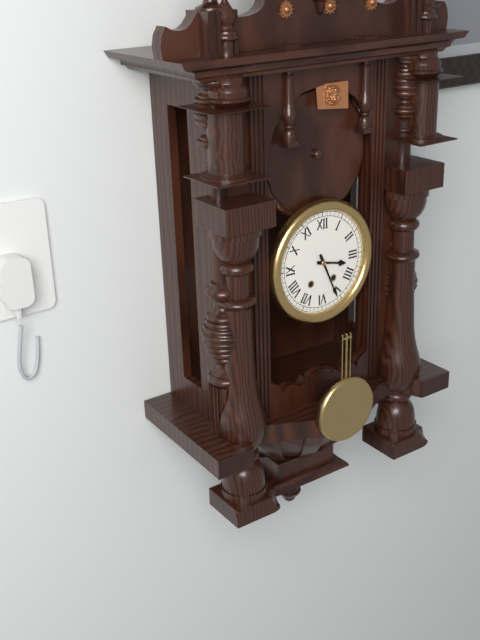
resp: 3,26
